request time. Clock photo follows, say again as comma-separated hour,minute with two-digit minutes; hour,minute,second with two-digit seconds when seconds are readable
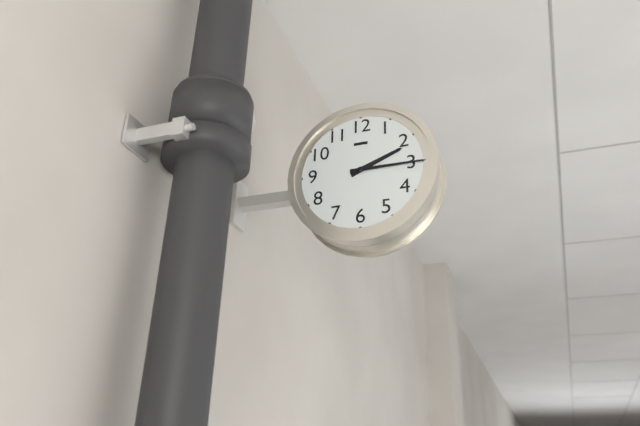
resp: 2,15
